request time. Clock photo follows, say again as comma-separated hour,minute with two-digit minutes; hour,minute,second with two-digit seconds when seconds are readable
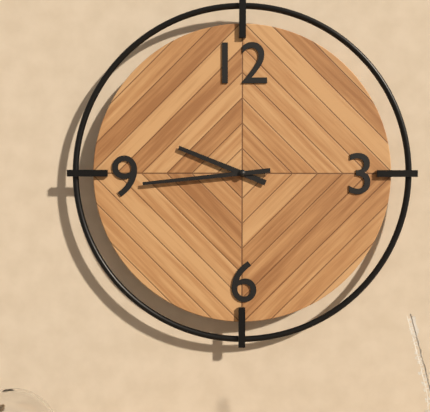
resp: 9,44
